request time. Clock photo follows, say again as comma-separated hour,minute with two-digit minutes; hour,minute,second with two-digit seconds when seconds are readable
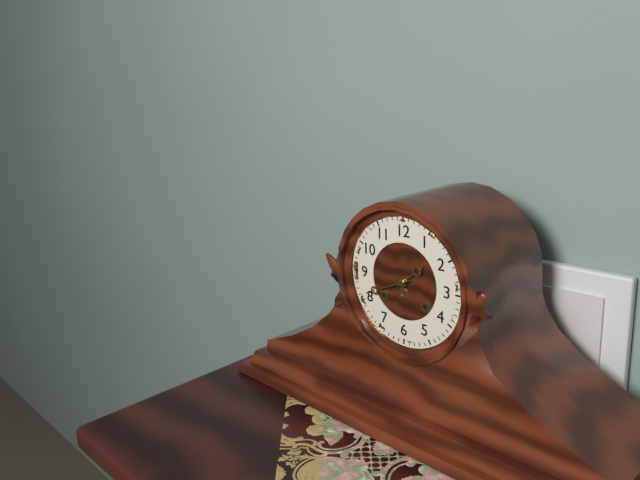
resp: 1,41
